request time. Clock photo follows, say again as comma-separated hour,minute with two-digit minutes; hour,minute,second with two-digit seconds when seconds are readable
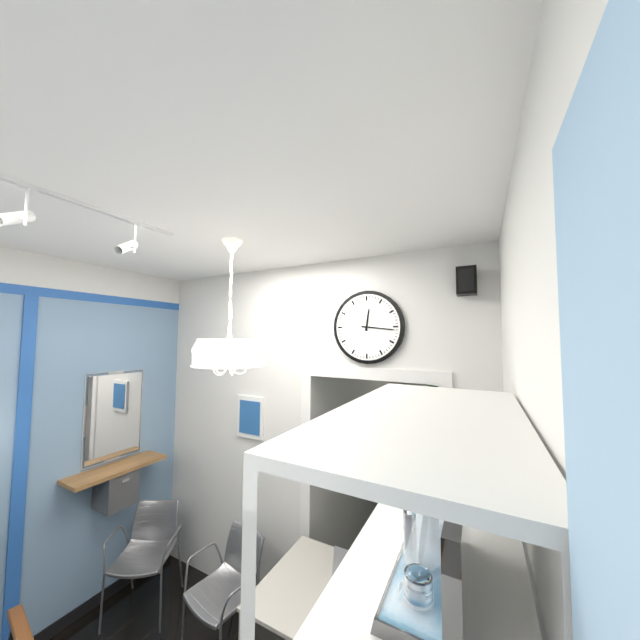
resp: 12,16
